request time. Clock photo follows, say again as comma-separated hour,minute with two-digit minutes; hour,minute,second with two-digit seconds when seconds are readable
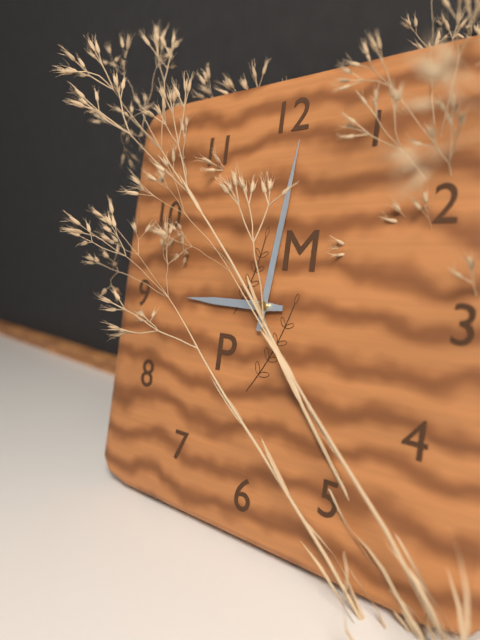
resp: 9,01
